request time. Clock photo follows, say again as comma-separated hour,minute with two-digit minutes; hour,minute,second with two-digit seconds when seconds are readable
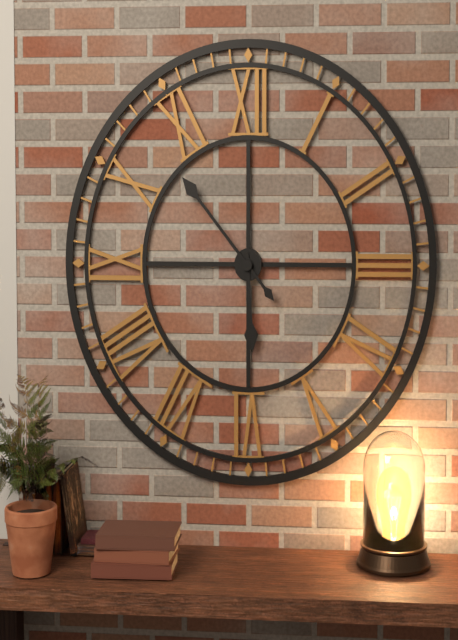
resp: 5,53
